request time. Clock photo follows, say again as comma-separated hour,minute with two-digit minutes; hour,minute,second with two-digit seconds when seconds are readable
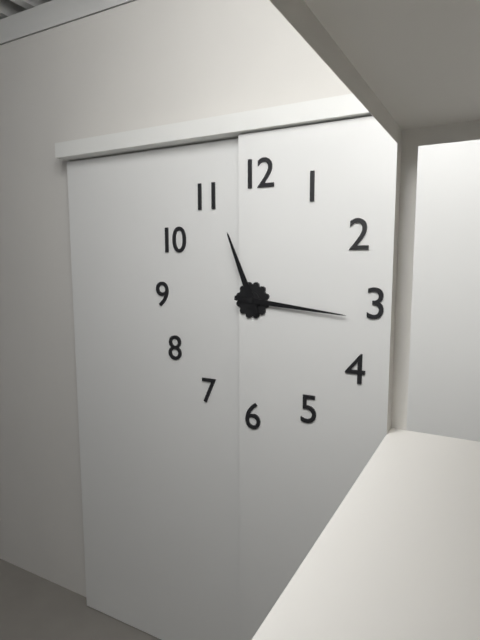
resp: 11,16
